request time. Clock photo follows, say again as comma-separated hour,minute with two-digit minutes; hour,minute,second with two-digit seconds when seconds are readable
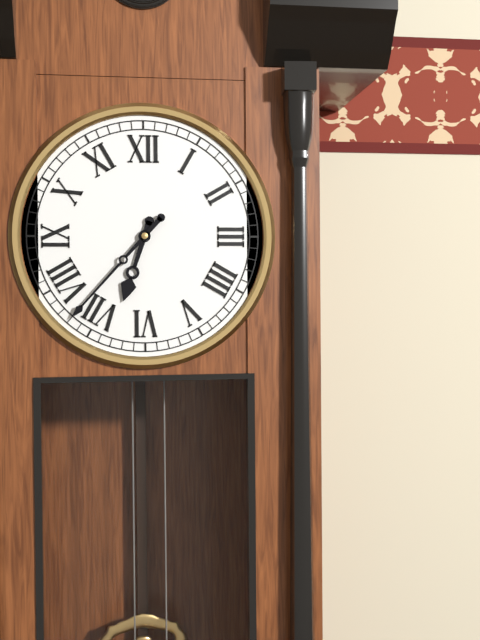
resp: 6,37
